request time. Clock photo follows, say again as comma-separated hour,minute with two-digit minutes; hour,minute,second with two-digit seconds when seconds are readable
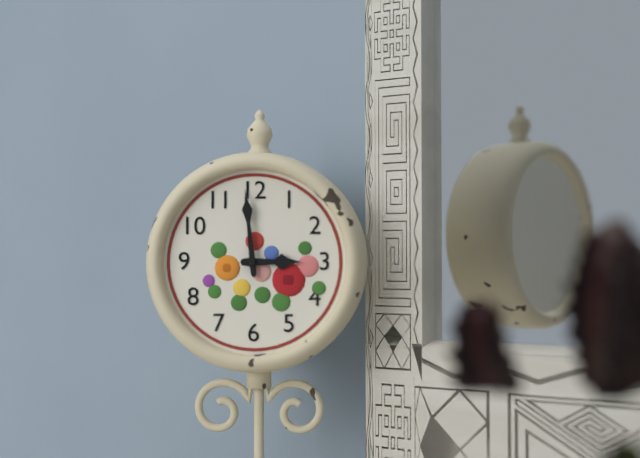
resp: 2,59
